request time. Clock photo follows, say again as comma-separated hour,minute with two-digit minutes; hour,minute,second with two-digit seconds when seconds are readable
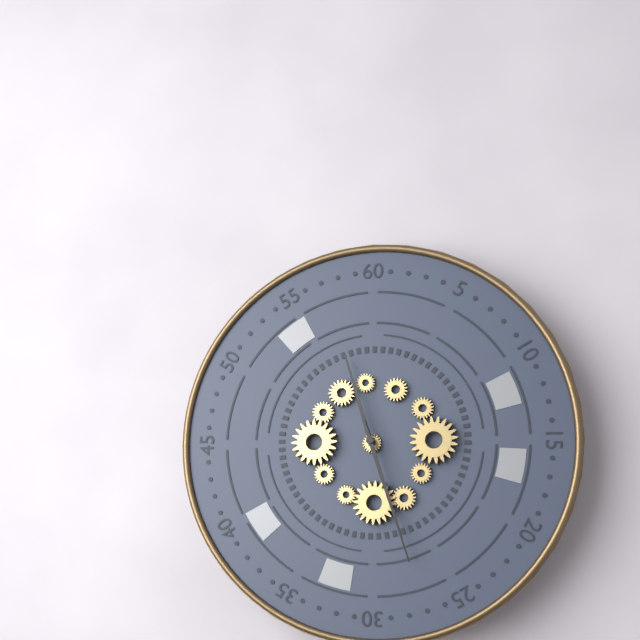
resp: 11,27
